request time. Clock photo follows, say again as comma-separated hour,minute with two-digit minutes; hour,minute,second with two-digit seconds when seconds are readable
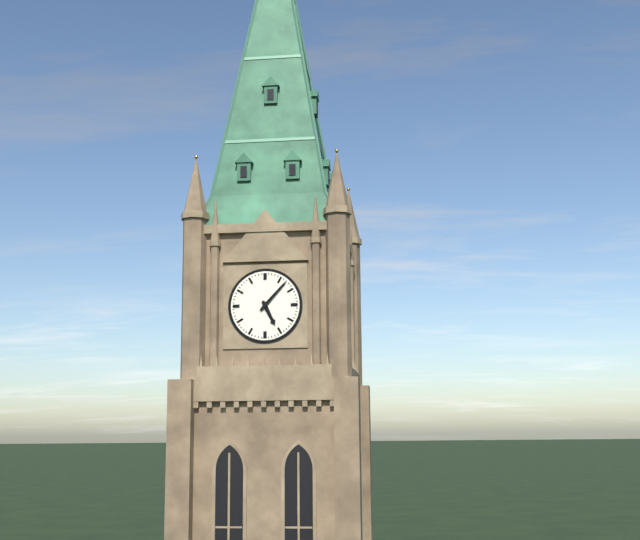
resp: 5,07
